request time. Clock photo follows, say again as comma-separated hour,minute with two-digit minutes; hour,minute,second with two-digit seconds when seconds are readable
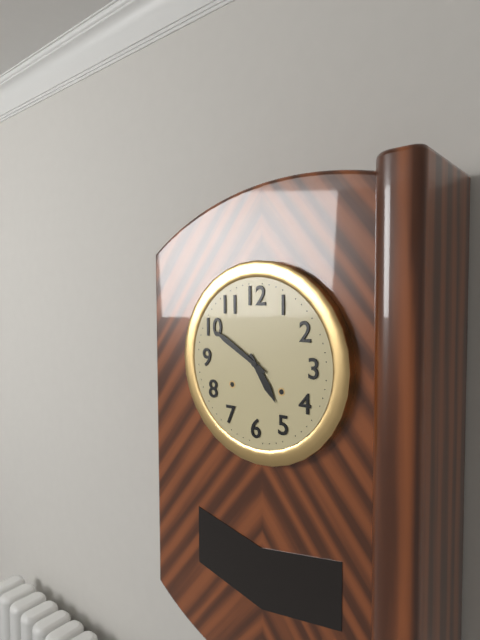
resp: 4,50
